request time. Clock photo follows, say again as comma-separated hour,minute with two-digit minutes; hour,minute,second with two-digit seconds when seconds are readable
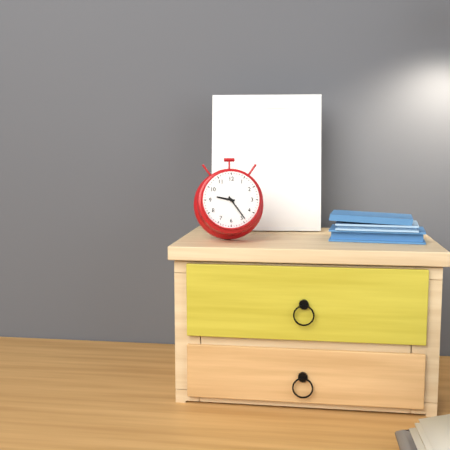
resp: 9,24
